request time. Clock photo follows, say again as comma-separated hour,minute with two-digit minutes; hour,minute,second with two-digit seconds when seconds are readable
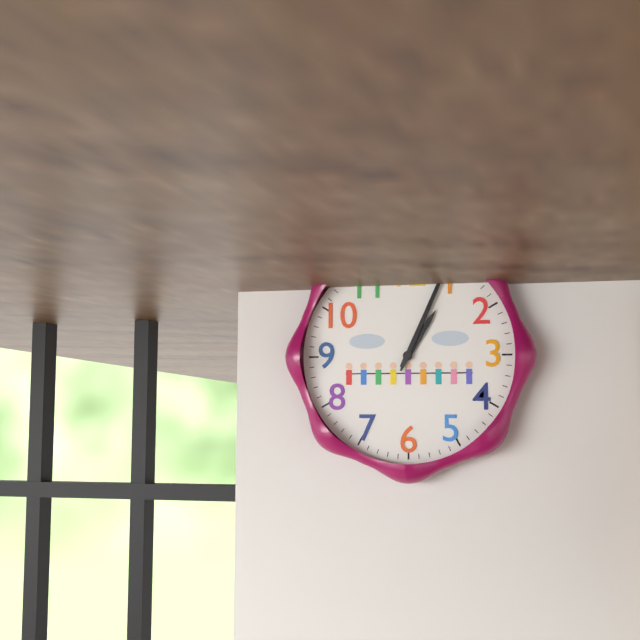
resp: 1,04
